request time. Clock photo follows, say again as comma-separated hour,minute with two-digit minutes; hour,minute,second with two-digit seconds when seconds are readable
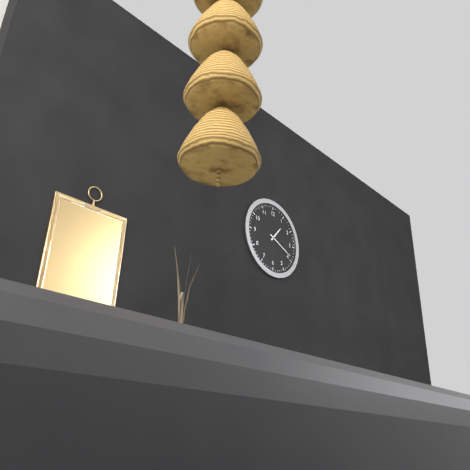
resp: 1,19
